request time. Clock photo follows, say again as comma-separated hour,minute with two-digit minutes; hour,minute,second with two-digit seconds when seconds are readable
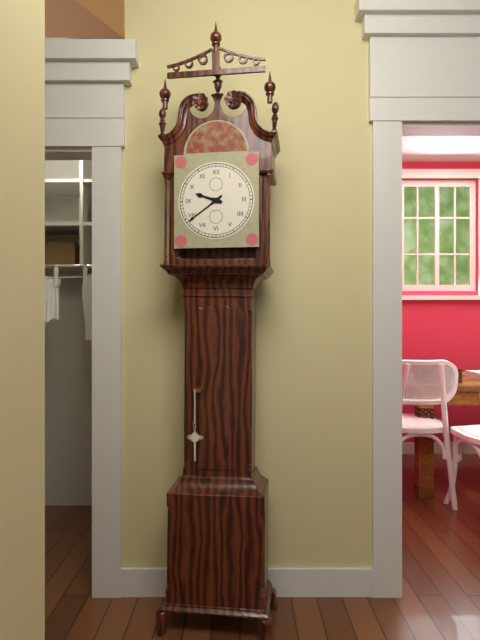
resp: 9,39
